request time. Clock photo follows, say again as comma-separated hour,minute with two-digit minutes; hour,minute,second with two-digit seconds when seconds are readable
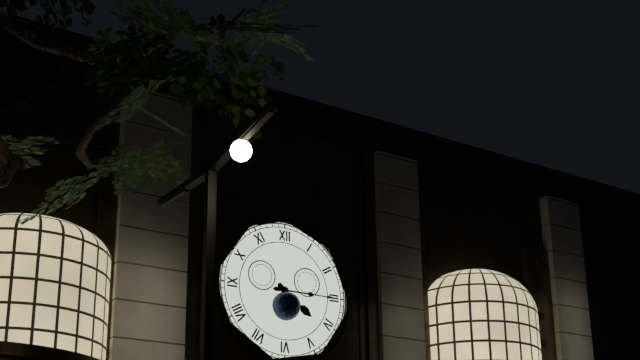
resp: 4,15
